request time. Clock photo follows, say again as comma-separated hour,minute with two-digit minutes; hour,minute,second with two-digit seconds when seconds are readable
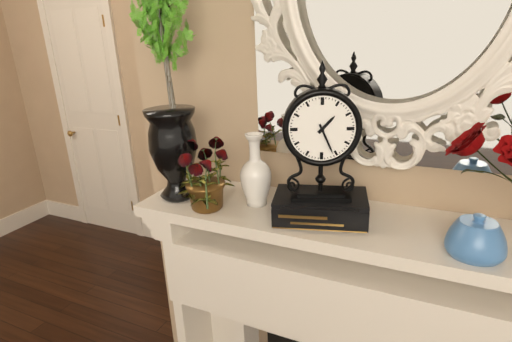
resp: 1,26
